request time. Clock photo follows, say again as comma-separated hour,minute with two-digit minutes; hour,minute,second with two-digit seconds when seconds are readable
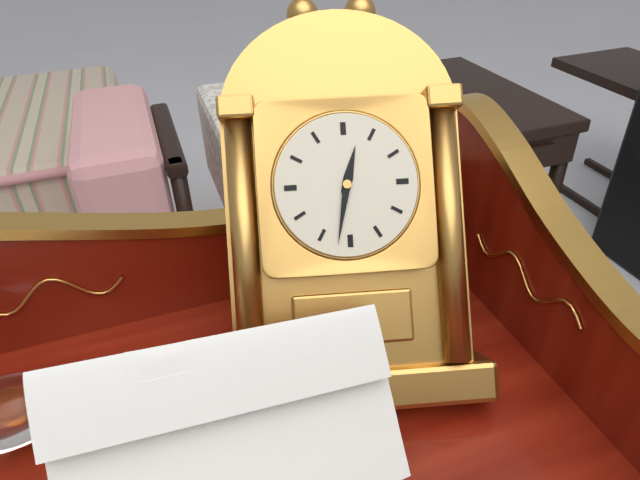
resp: 12,32
